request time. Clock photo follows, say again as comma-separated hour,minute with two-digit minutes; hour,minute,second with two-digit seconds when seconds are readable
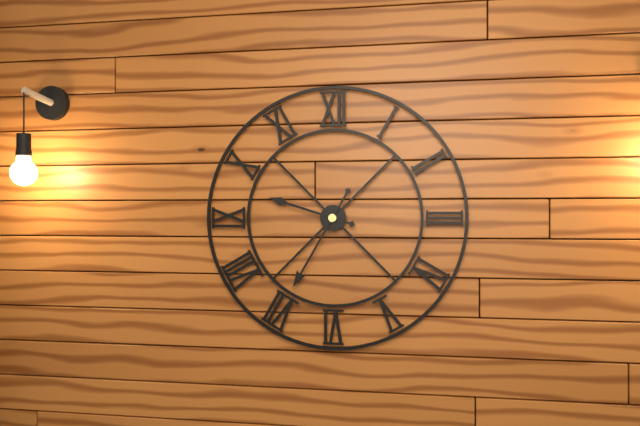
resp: 9,35
